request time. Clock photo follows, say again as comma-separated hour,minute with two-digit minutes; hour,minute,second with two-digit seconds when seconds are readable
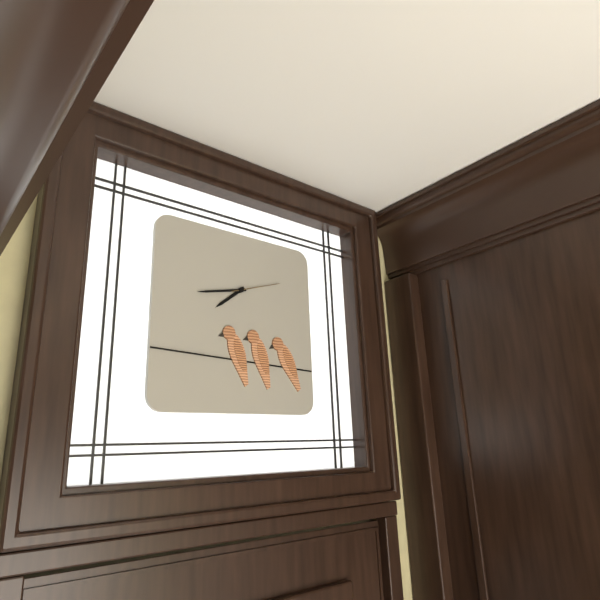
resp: 7,43
